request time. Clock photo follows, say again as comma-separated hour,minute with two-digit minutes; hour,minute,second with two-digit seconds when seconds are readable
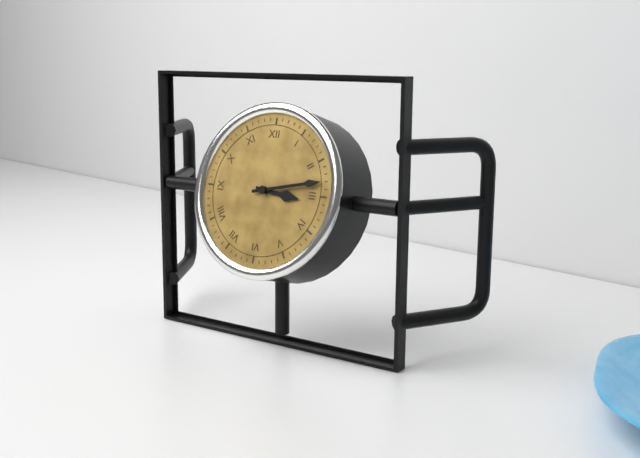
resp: 3,13
